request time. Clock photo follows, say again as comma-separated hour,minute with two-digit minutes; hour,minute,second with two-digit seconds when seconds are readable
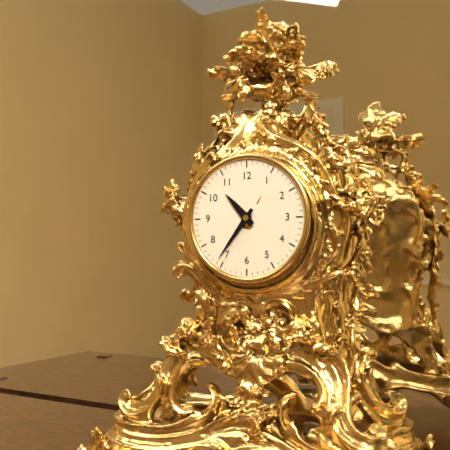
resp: 10,36
